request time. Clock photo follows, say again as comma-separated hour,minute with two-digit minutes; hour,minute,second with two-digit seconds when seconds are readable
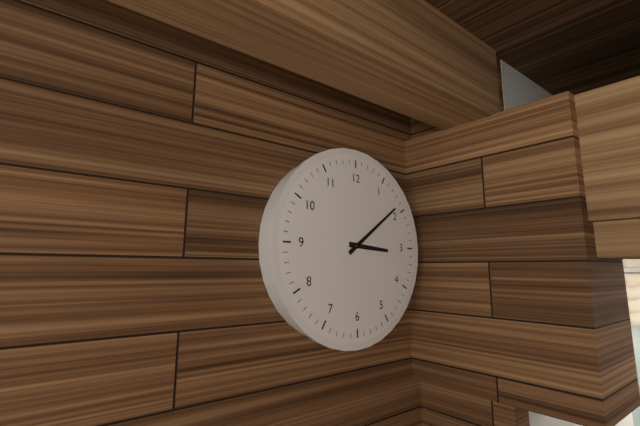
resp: 3,09
